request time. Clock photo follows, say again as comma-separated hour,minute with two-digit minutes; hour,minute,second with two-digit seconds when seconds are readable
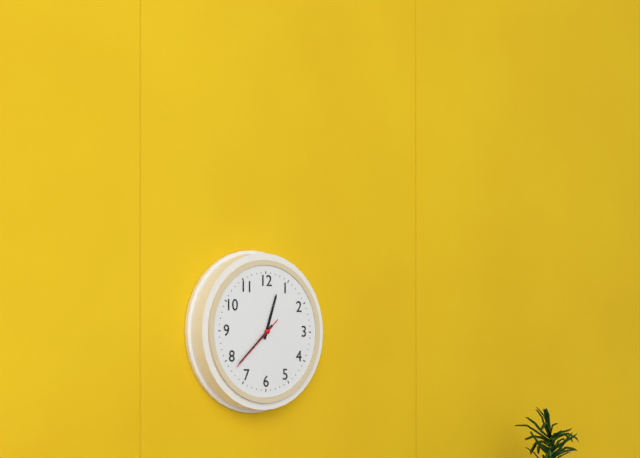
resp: 12,38,38
